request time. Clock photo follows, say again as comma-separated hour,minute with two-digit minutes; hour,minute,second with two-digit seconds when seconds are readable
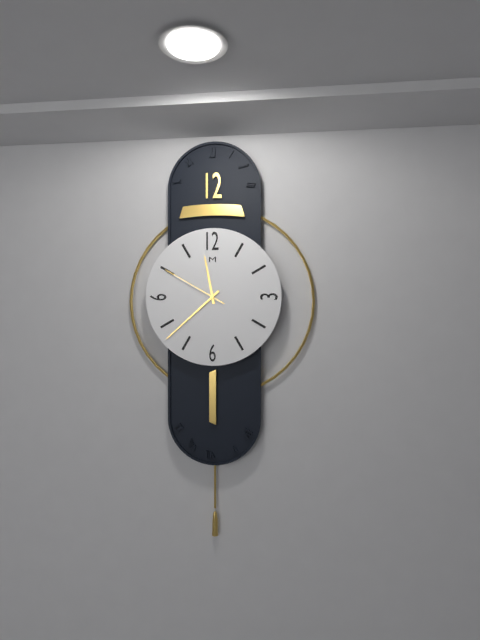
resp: 11,38,50
